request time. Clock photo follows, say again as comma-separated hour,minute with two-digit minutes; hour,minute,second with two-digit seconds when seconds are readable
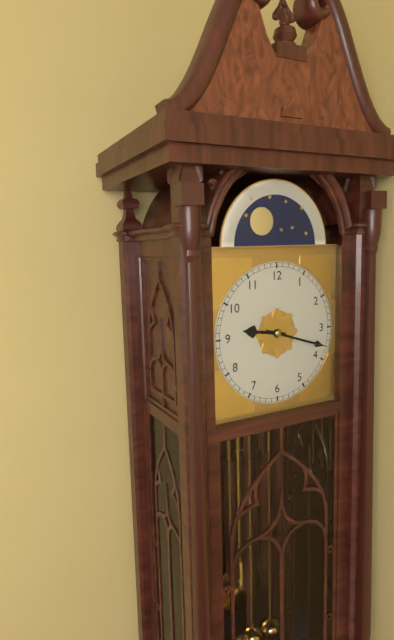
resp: 9,18
